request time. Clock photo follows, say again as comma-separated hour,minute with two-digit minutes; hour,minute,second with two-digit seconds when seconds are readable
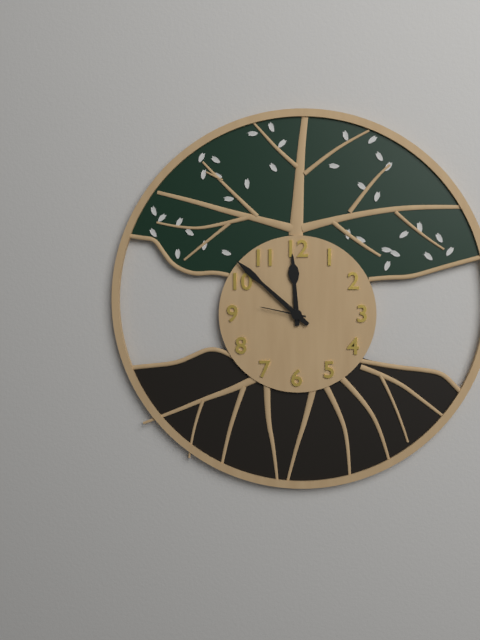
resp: 11,52
